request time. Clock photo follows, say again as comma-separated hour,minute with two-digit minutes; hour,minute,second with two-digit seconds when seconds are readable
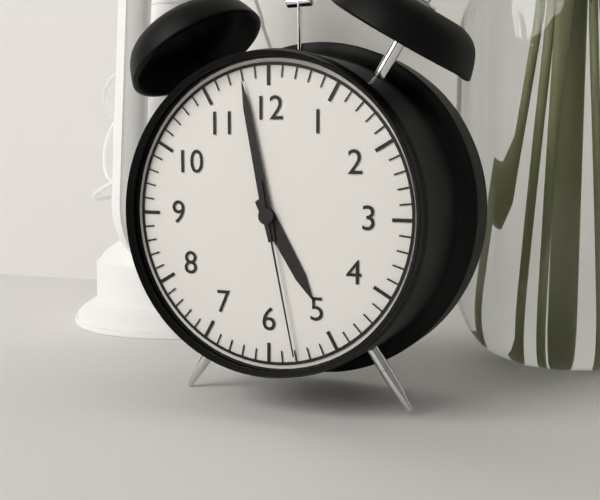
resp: 4,58,28
